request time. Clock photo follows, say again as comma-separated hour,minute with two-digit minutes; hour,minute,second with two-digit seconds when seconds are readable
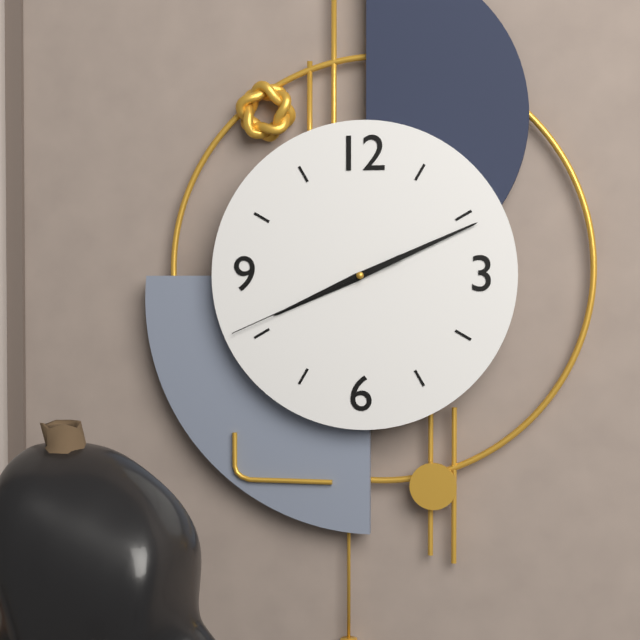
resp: 8,11,41
